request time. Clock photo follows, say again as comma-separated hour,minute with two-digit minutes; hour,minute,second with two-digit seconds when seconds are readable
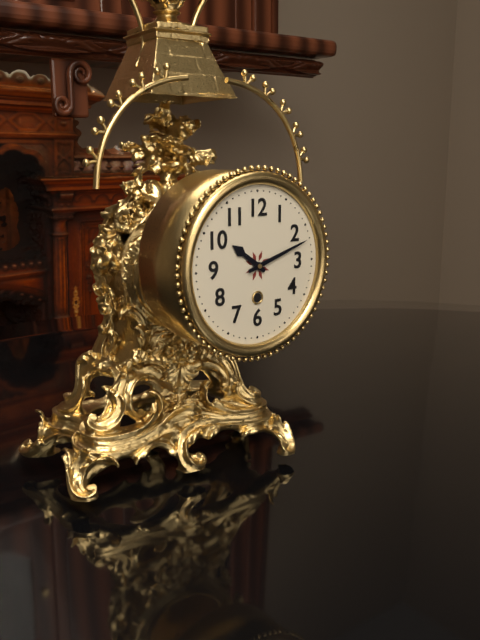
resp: 10,12
